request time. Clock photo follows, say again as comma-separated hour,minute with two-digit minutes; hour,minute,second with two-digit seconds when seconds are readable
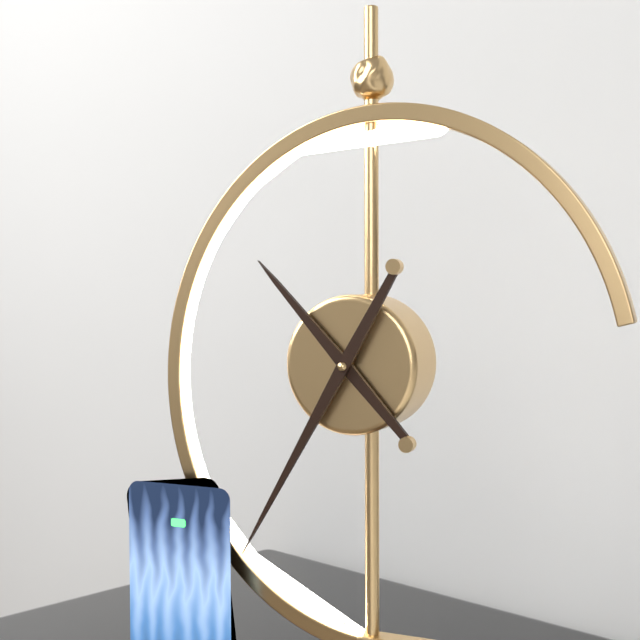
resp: 10,35
